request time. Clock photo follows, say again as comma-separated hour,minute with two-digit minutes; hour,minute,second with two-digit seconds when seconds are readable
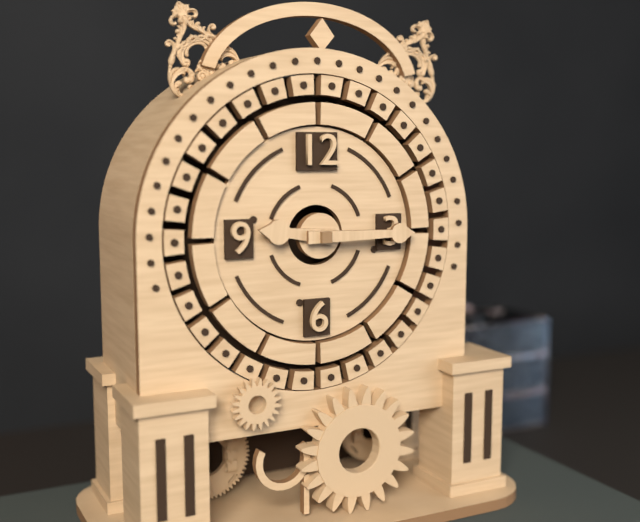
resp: 9,15
